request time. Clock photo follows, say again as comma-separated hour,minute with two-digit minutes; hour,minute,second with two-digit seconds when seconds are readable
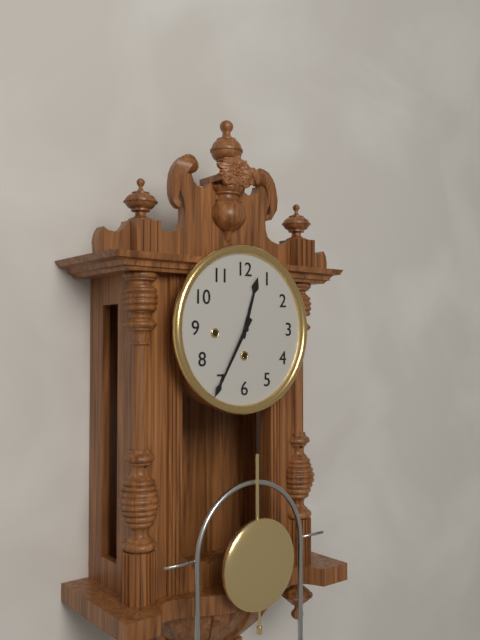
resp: 12,35
